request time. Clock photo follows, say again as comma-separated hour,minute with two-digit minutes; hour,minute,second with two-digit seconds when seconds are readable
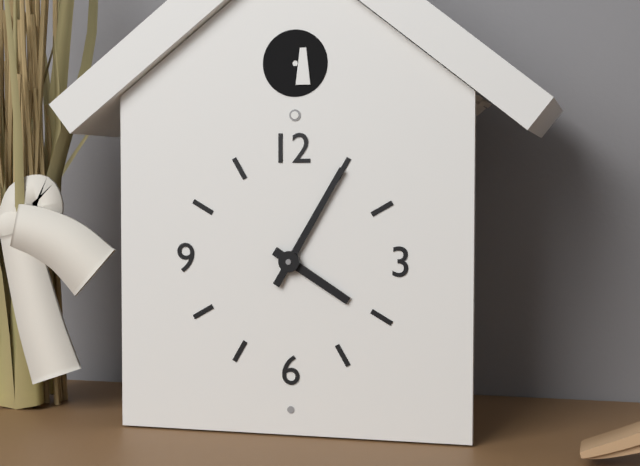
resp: 4,05
